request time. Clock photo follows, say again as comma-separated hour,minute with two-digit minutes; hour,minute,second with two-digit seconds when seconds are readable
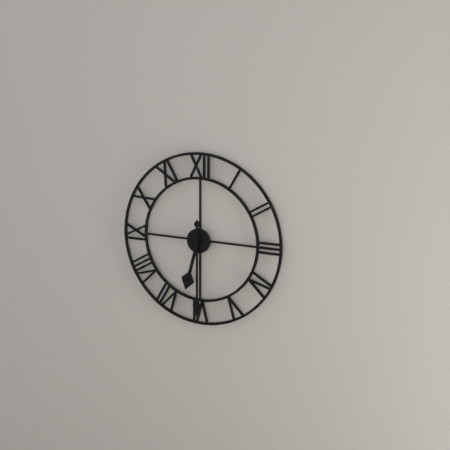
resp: 6,30
